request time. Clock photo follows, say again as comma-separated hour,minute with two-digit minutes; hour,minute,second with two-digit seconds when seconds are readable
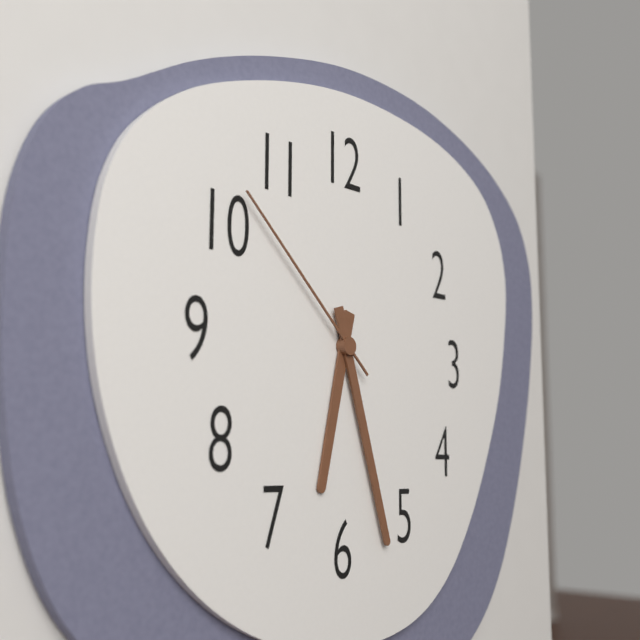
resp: 6,27,52
